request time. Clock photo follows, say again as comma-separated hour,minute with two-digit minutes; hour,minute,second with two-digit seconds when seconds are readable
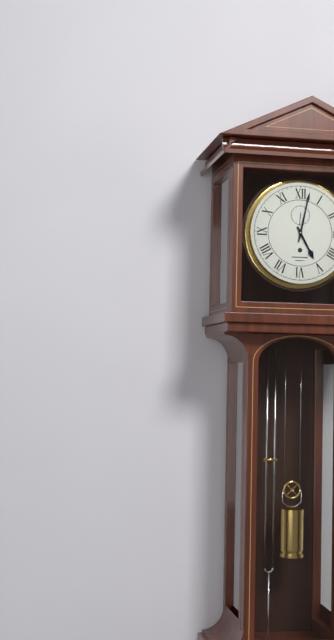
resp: 5,02
